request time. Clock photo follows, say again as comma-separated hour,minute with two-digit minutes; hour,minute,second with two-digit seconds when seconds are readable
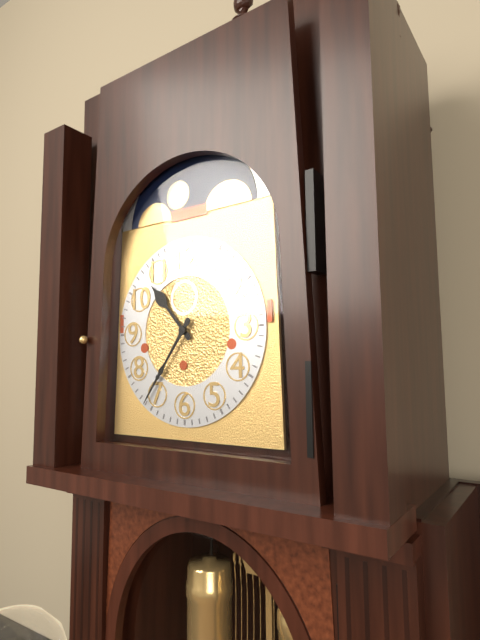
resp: 10,36
